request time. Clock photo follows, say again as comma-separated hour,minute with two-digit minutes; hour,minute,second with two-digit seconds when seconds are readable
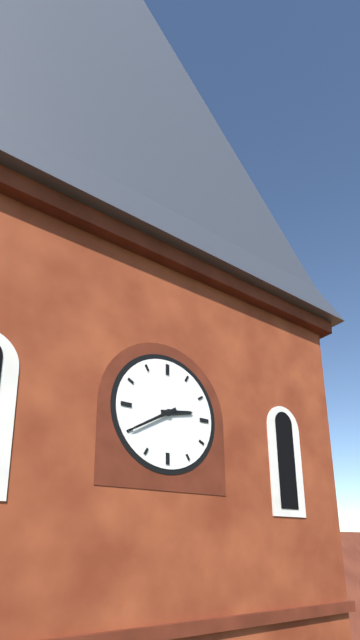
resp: 2,40
